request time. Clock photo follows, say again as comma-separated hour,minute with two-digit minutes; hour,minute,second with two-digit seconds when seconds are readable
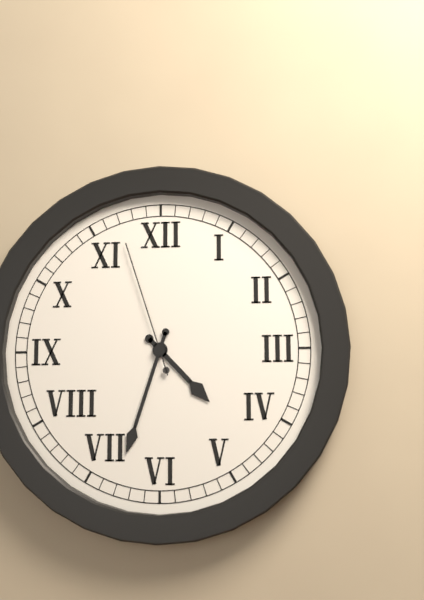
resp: 4,33,57
